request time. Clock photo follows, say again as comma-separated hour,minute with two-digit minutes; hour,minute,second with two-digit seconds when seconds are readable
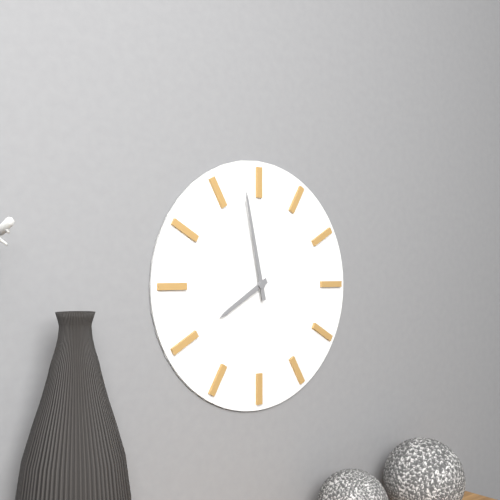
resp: 7,58
